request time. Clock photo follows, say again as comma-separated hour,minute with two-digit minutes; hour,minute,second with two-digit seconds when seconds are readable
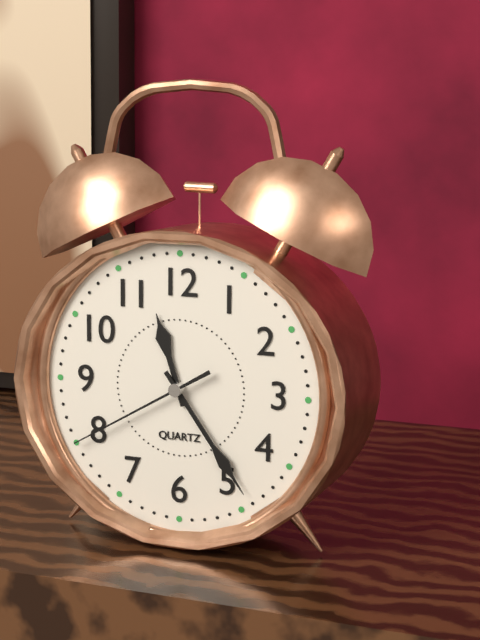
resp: 11,24,40
